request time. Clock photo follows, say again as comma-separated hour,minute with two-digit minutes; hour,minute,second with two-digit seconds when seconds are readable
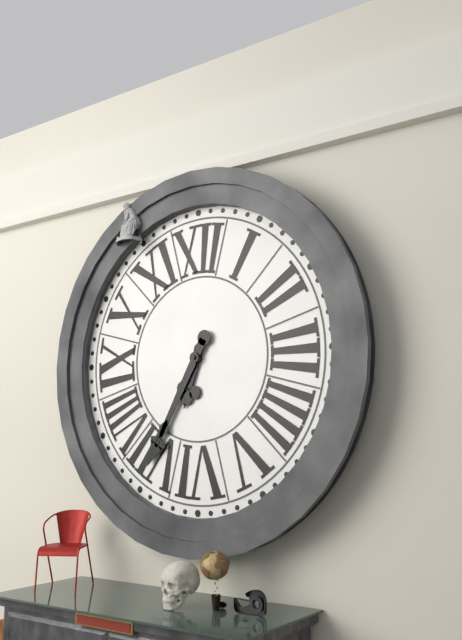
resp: 6,35
